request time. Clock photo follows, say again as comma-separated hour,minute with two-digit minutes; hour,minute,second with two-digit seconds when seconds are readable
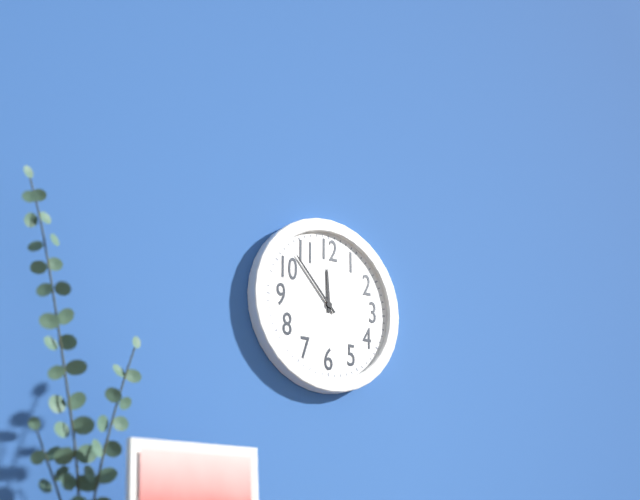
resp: 11,53
